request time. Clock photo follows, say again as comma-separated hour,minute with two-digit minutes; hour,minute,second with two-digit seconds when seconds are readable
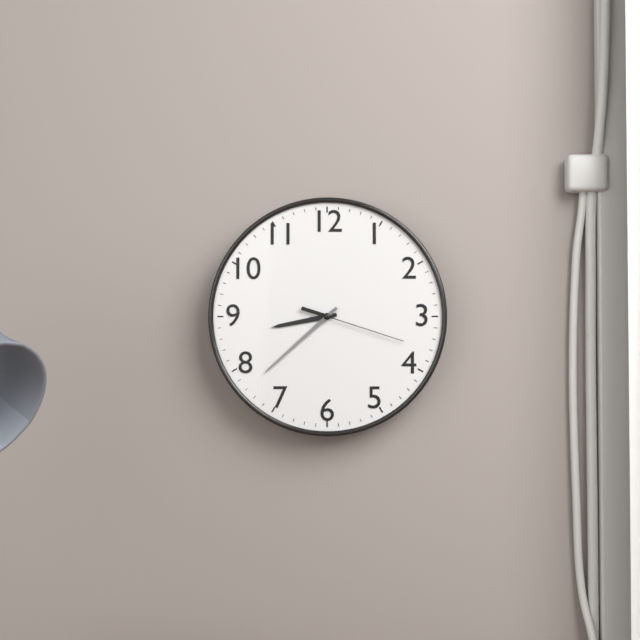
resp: 8,38,18
